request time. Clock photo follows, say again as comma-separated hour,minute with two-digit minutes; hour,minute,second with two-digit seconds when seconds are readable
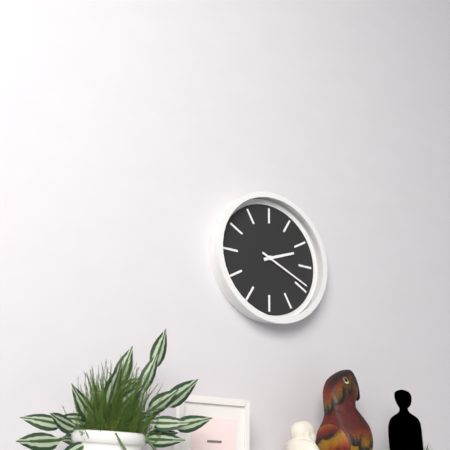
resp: 2,19
